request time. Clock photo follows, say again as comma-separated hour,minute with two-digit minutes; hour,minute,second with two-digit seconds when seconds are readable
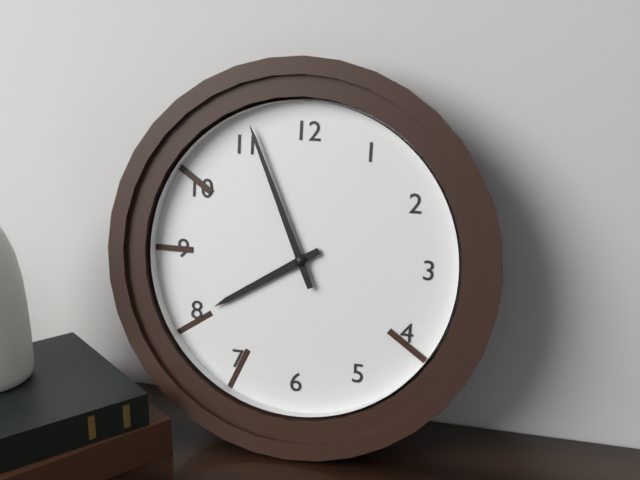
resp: 7,56
